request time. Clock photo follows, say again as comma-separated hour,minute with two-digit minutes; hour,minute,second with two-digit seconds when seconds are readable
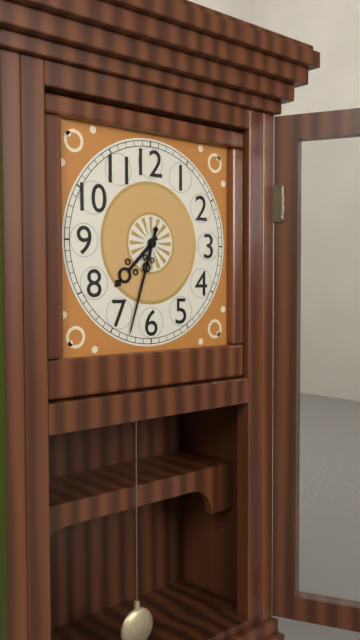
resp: 7,33
